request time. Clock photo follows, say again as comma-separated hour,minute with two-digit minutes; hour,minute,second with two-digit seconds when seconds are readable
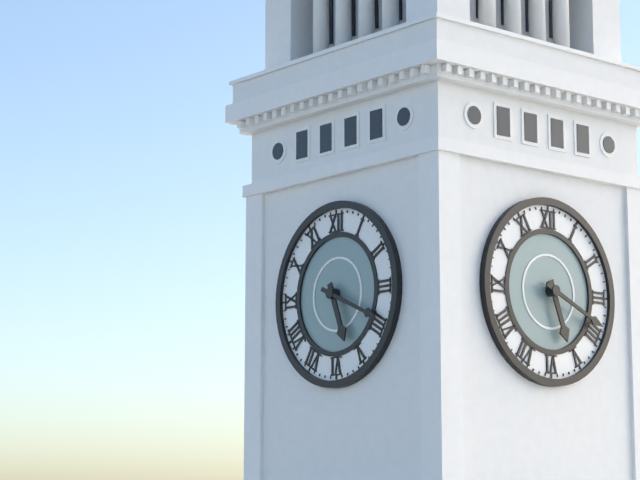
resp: 5,19
